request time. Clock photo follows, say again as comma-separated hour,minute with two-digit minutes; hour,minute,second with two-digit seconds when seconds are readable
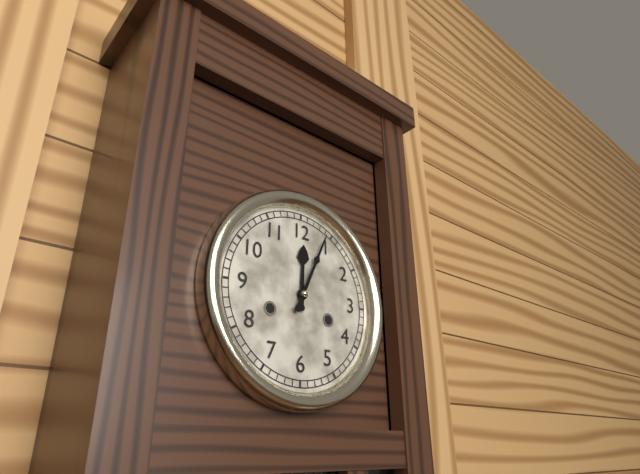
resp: 12,04
